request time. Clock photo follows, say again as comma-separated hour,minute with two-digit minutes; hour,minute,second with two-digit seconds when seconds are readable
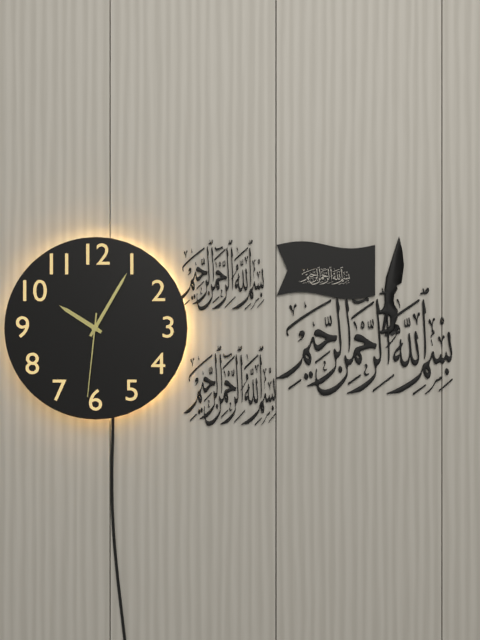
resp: 10,05,31
